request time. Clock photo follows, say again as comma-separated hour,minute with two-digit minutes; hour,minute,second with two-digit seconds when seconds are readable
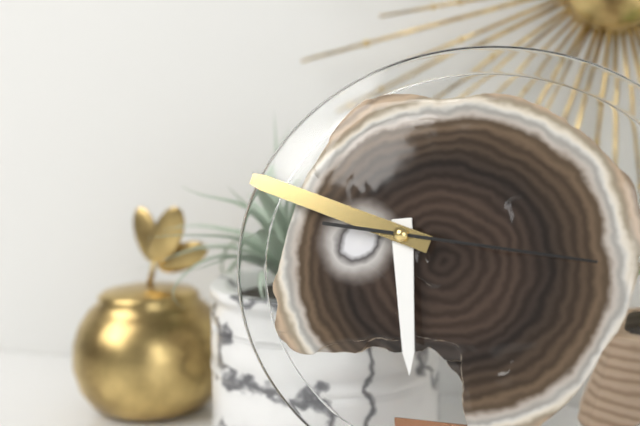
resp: 5,48,16
